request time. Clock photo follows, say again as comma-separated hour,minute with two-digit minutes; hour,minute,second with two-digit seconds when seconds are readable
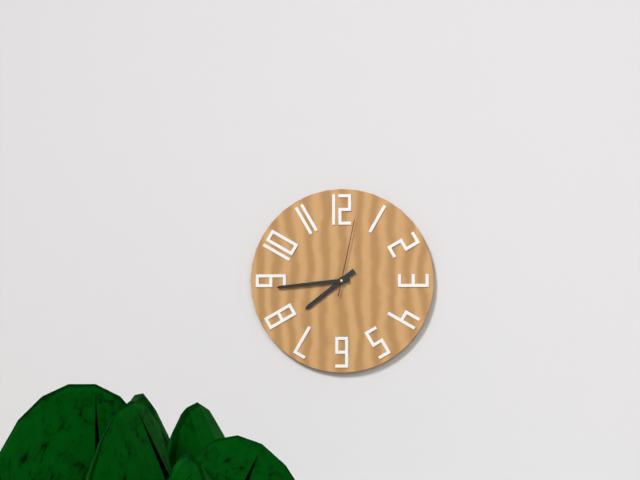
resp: 7,44,02
